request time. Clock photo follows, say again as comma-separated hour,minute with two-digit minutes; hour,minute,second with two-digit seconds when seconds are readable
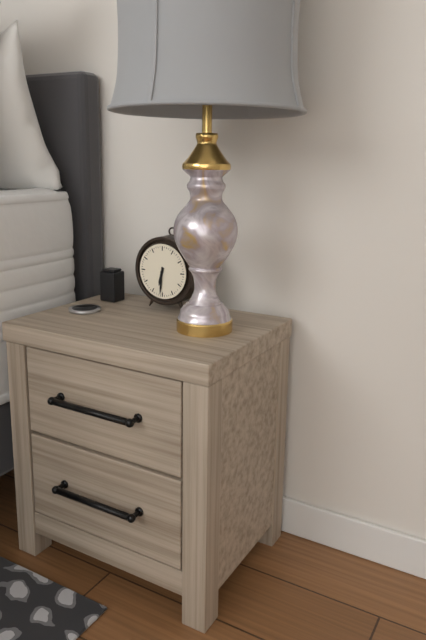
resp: 6,31
